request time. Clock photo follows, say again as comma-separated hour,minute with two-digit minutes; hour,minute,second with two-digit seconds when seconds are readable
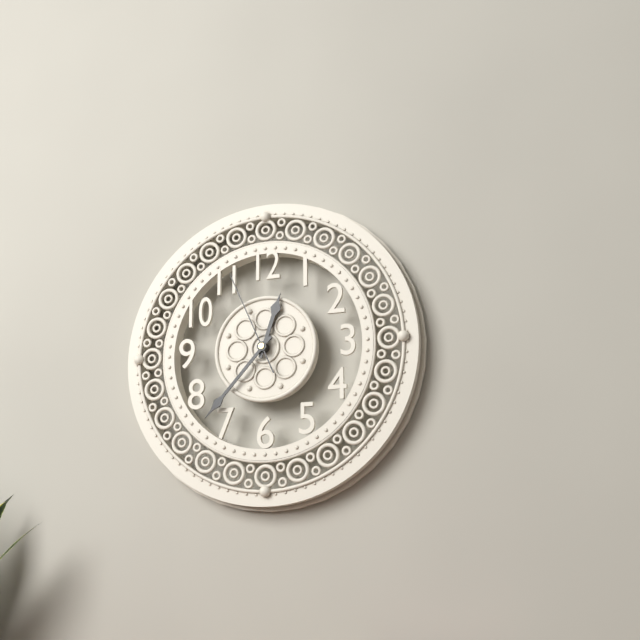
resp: 12,37,56
